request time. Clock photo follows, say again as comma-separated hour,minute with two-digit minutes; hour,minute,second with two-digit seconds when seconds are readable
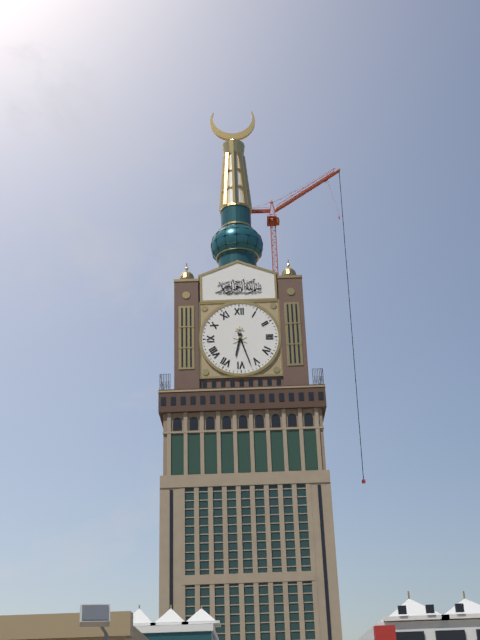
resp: 6,27
